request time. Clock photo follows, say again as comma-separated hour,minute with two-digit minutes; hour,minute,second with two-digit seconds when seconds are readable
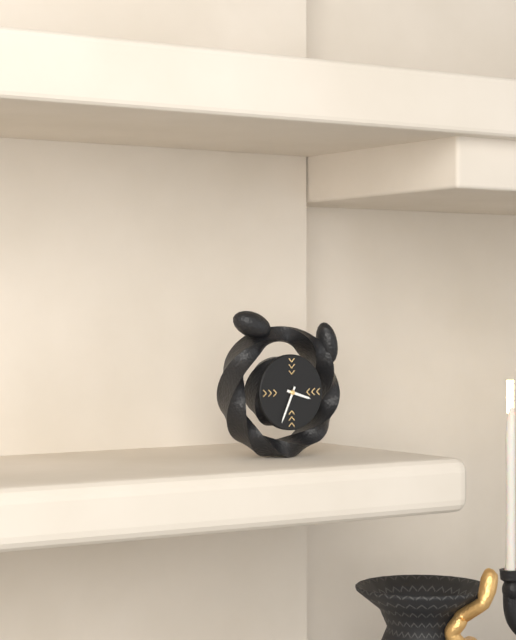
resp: 3,34
